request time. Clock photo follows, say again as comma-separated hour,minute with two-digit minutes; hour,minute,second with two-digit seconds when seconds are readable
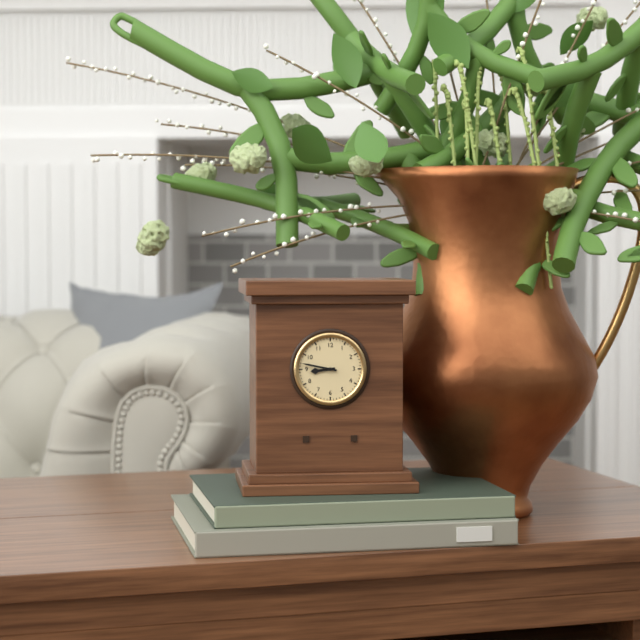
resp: 8,47
